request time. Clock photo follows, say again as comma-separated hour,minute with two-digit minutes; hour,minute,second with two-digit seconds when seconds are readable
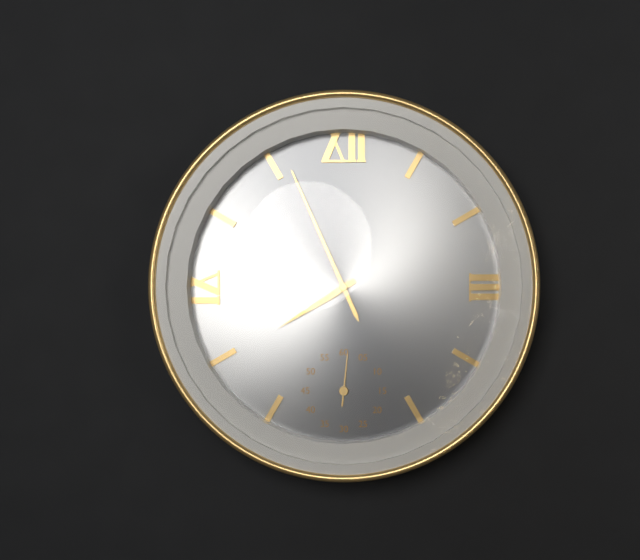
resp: 7,56
